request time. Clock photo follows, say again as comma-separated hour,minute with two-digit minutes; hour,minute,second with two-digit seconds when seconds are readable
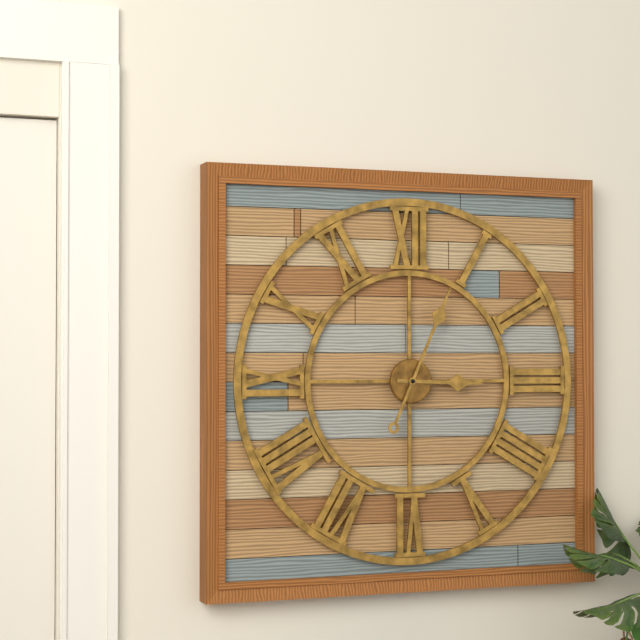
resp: 3,04
